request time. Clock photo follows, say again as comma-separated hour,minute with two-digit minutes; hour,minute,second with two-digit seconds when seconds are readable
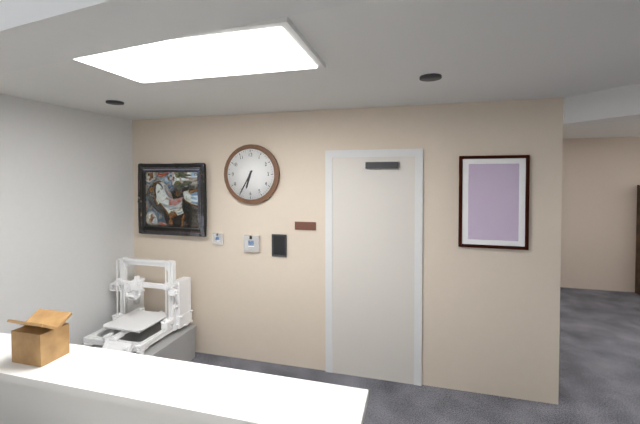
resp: 6,35
